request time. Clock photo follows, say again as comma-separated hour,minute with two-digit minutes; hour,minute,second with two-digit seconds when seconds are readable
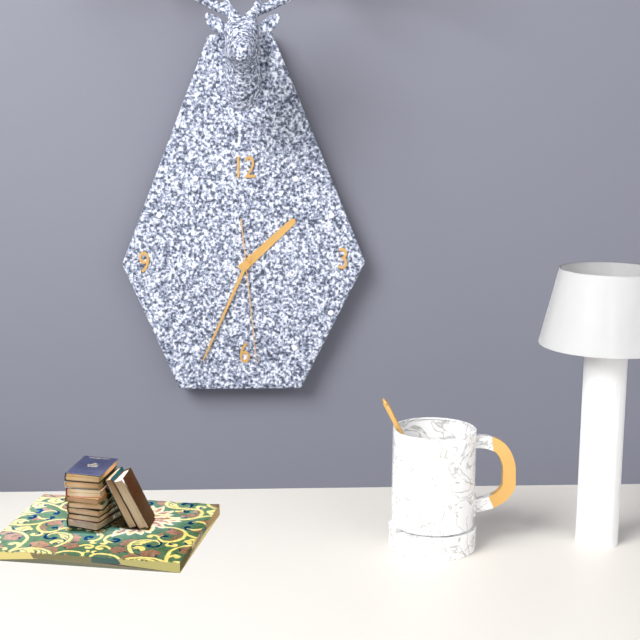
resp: 1,34,29
